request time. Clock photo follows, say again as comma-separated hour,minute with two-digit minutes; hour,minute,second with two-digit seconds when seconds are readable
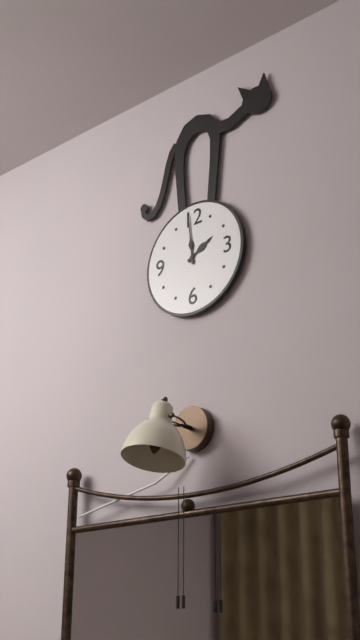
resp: 1,59
